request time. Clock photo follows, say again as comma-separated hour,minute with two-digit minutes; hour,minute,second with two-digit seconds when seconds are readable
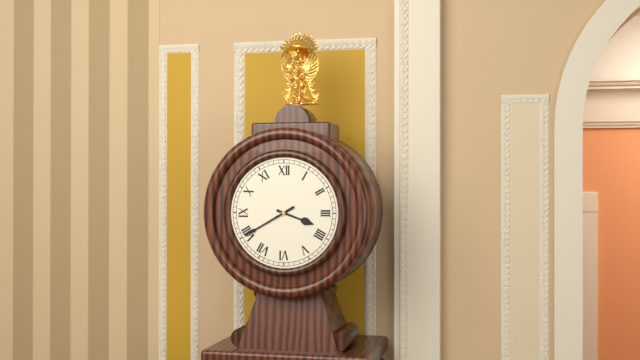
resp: 3,40
